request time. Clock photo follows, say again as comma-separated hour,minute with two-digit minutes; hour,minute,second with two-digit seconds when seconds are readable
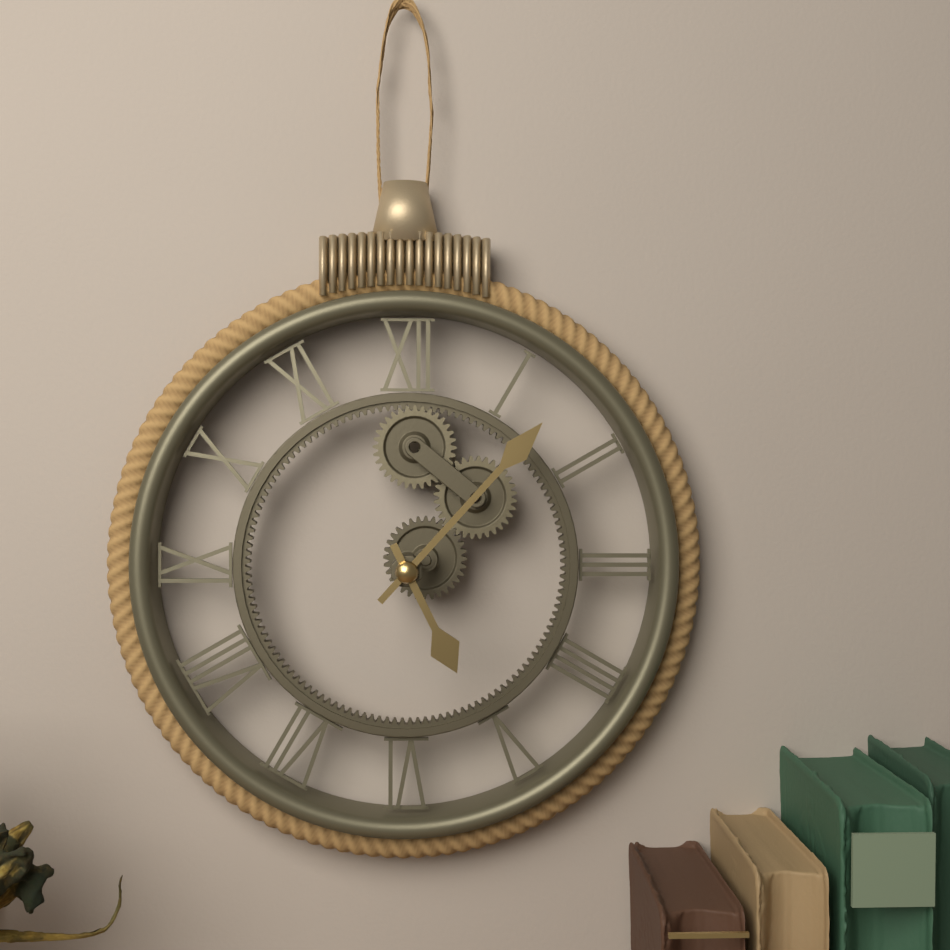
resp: 5,07
